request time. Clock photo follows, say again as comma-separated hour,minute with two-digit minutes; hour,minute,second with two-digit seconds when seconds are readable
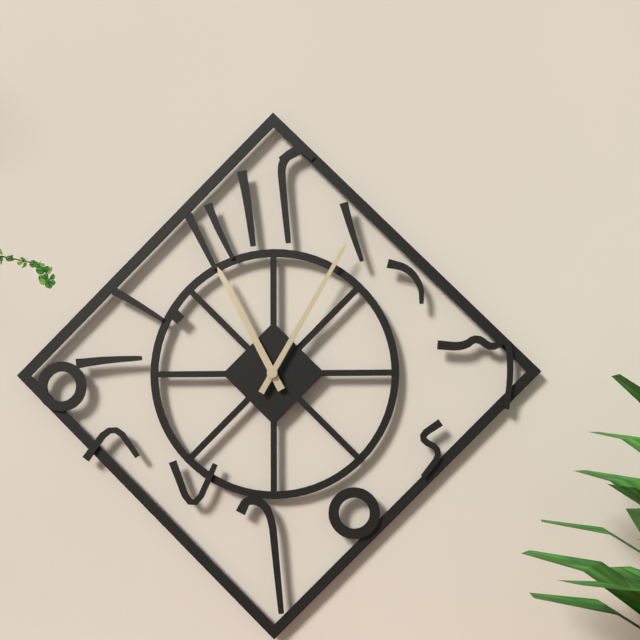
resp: 11,05
